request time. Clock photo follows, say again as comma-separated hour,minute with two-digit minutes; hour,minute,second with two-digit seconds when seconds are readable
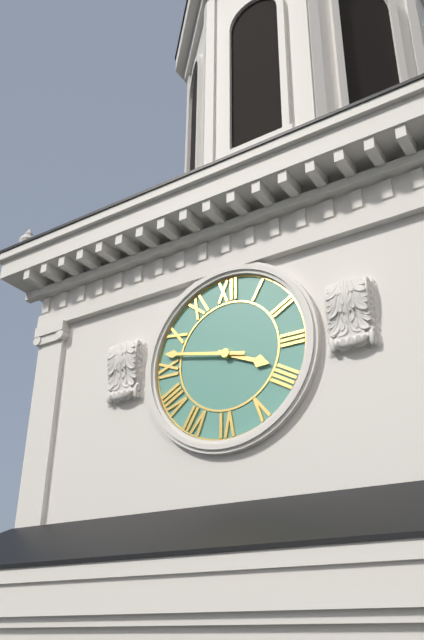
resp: 3,47
